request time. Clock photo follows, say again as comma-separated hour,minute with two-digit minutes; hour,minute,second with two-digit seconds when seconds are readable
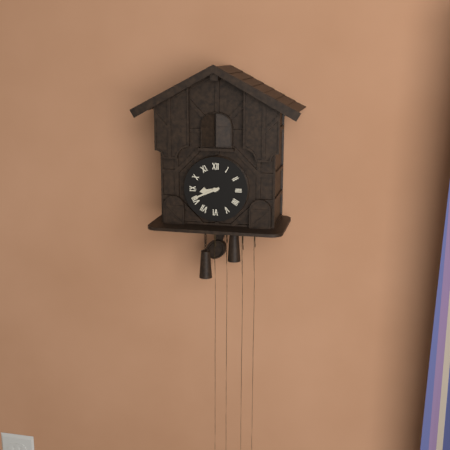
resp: 8,41
